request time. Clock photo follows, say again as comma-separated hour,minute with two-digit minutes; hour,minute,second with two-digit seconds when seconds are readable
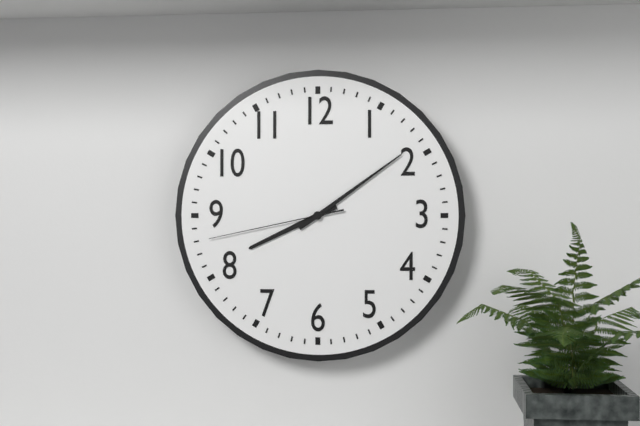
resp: 8,09,43
